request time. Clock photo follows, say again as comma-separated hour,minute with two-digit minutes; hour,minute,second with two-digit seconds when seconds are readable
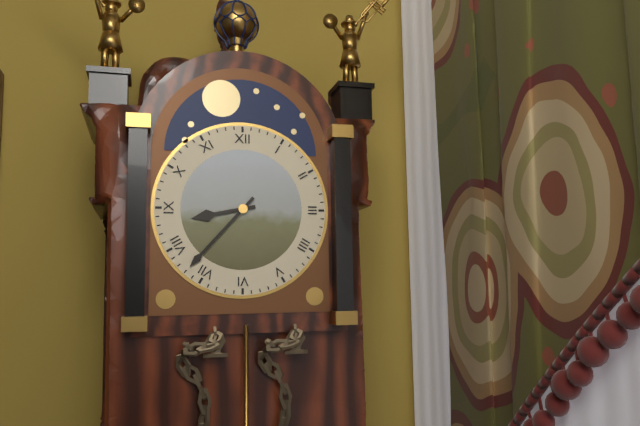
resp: 8,37
